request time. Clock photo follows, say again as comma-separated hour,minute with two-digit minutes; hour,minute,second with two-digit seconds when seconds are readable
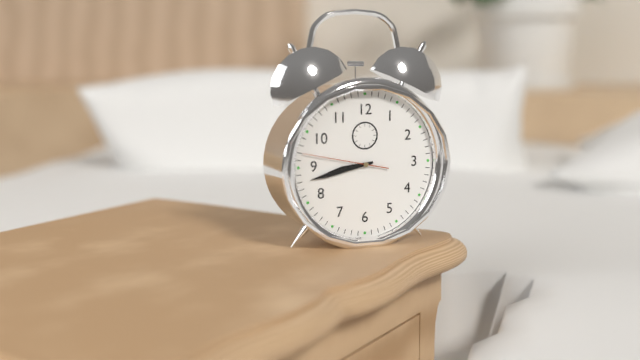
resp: 8,43,47
